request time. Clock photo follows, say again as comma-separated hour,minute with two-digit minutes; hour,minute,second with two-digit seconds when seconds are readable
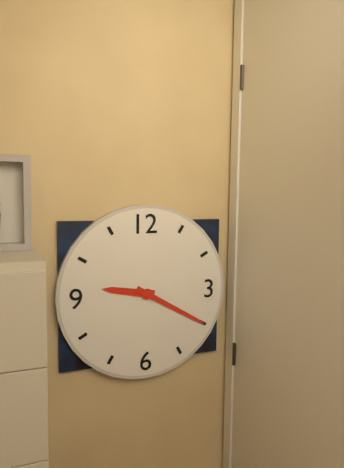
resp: 9,20
